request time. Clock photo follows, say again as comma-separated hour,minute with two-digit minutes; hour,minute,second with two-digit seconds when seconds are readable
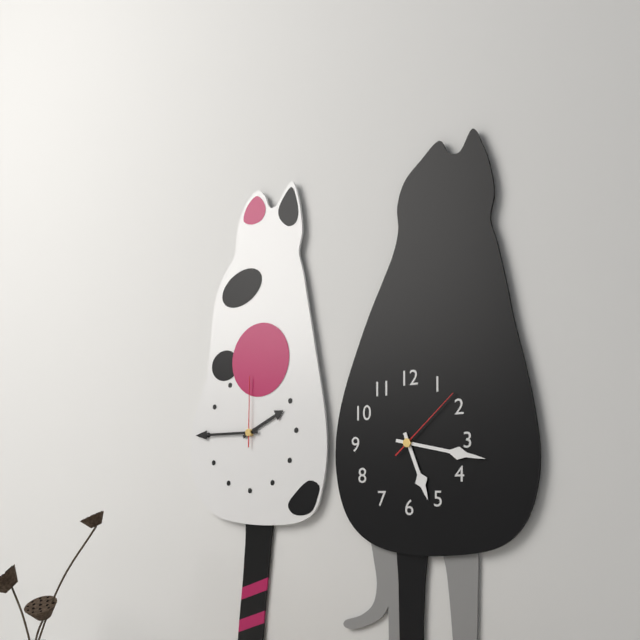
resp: 5,17,08
